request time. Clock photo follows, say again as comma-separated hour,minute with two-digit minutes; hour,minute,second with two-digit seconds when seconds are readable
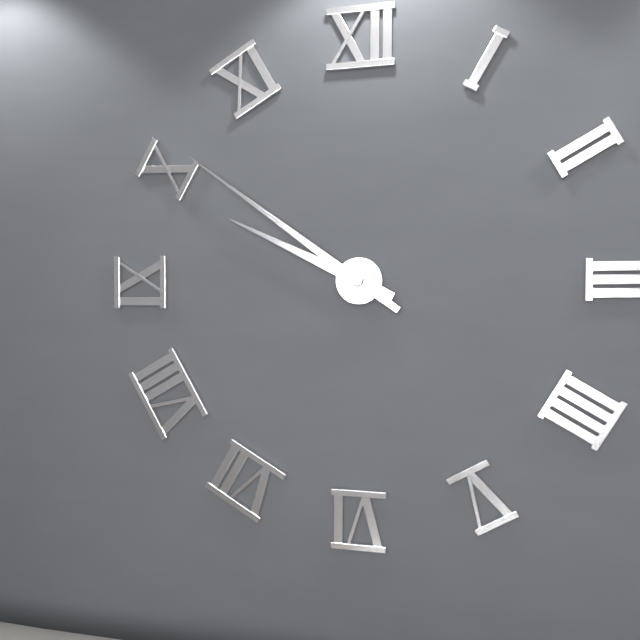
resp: 9,51
